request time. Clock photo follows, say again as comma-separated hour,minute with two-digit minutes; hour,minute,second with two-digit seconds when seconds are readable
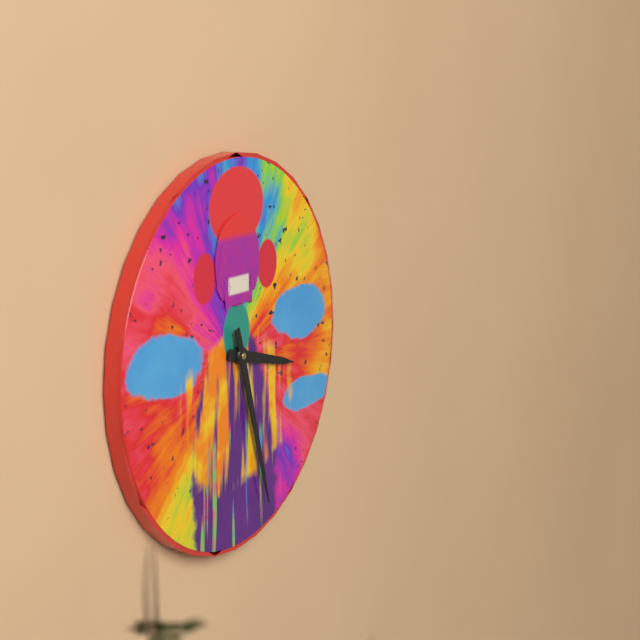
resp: 3,27
